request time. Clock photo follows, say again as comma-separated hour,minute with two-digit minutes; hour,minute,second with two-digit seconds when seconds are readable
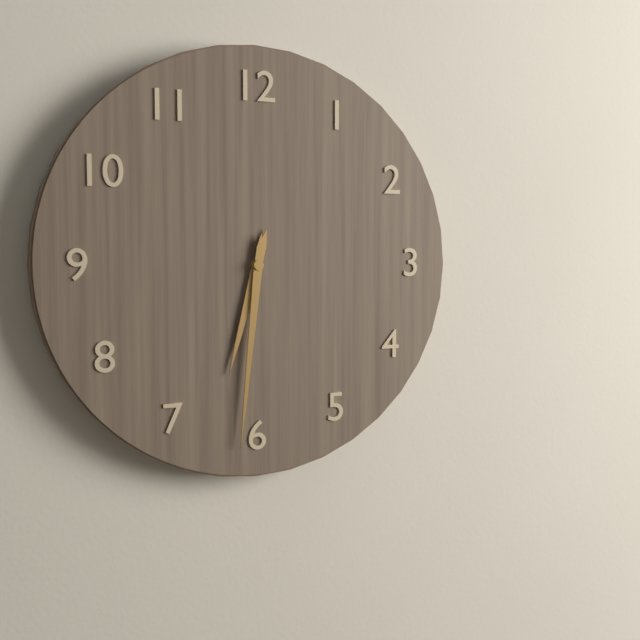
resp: 6,31
